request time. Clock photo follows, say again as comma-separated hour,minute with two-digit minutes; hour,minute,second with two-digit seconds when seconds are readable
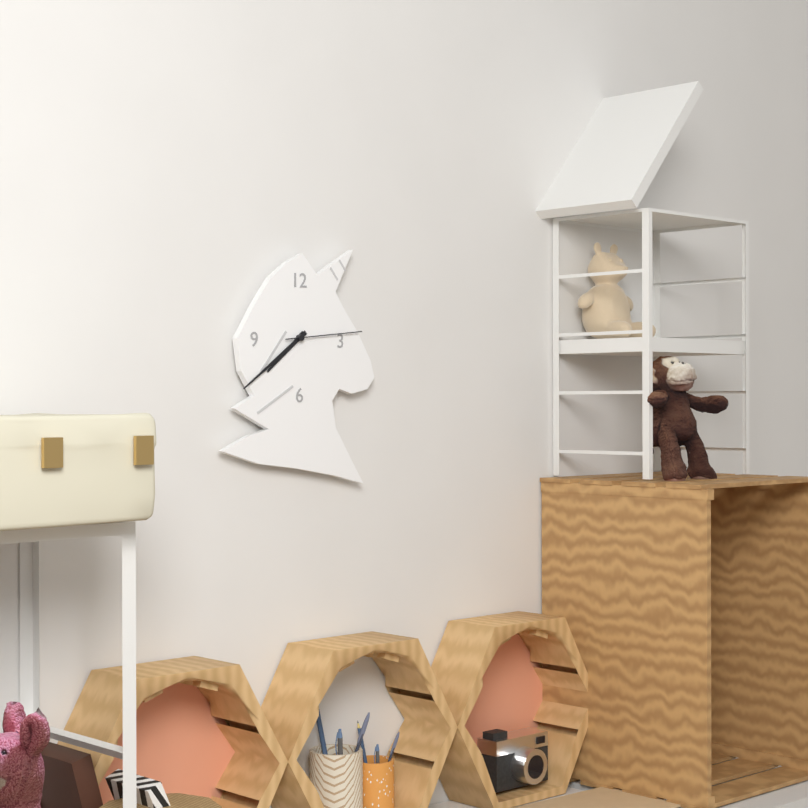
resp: 7,39,14
